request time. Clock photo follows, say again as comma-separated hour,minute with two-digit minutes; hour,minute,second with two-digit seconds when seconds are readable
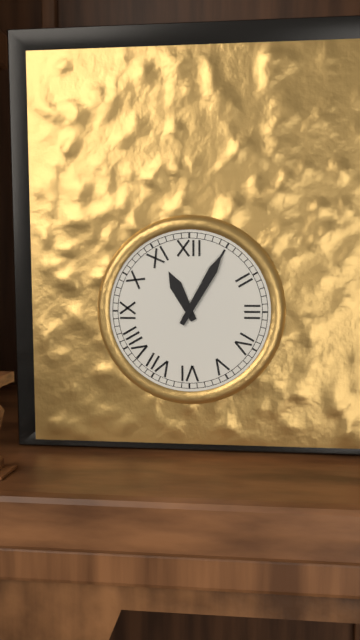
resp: 11,05
